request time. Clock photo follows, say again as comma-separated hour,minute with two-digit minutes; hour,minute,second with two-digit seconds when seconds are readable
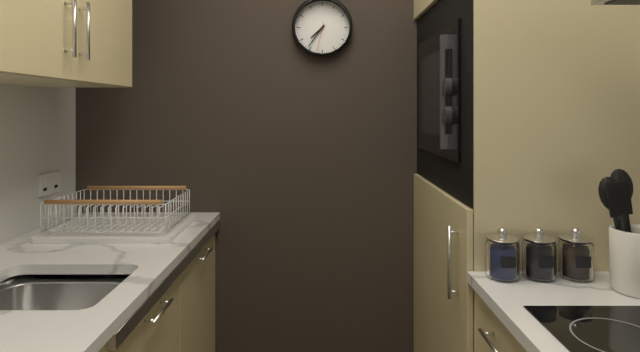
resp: 7,36
